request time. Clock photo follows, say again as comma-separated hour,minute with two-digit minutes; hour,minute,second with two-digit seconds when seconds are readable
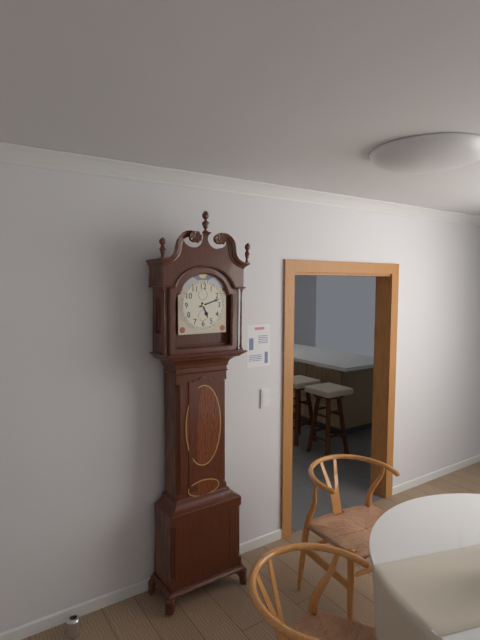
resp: 5,12
